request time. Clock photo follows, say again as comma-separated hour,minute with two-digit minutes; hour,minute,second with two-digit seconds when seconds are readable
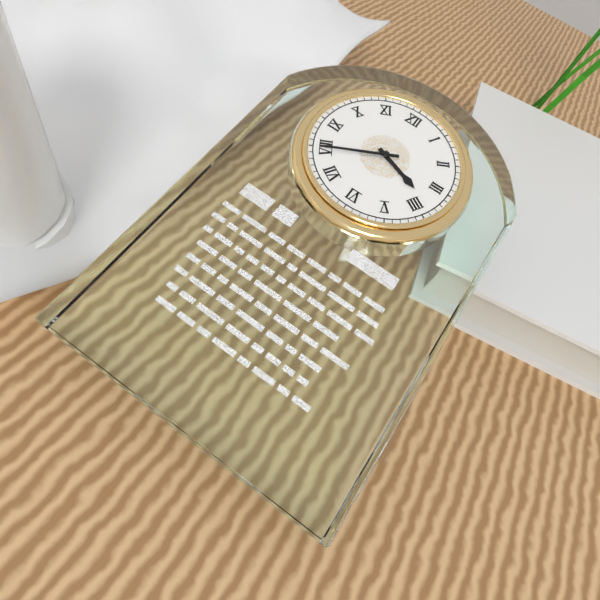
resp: 3,40
